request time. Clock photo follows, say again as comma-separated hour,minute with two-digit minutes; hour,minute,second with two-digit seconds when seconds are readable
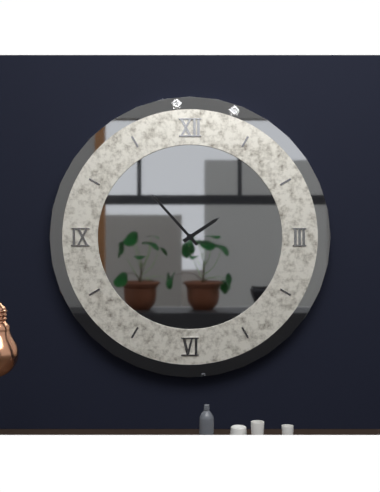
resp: 1,53
